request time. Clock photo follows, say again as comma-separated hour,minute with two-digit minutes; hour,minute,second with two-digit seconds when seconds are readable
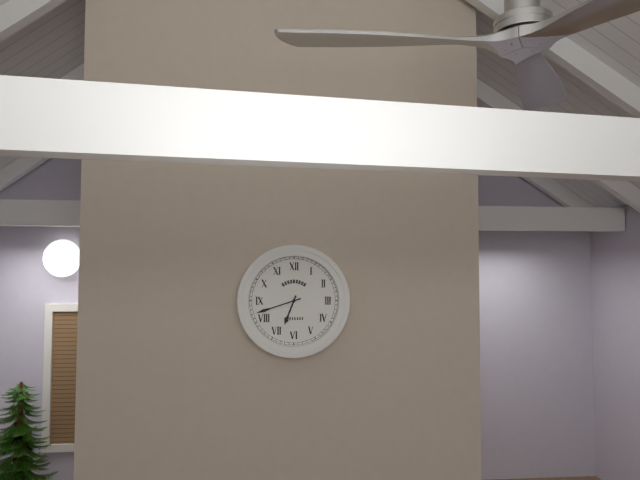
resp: 6,42
